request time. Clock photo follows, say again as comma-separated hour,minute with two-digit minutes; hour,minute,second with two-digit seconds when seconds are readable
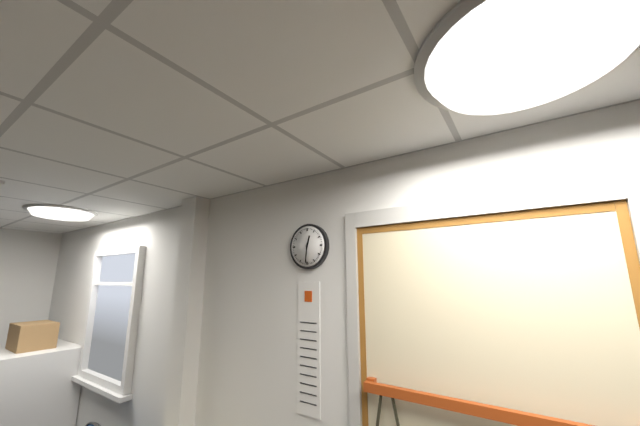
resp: 12,31
